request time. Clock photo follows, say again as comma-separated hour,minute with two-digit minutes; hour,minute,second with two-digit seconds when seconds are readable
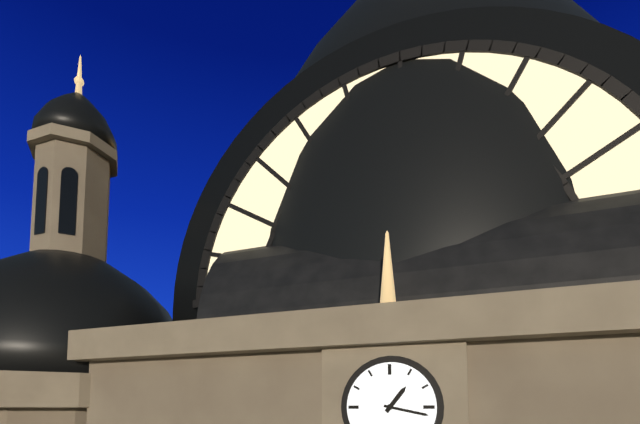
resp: 1,17
